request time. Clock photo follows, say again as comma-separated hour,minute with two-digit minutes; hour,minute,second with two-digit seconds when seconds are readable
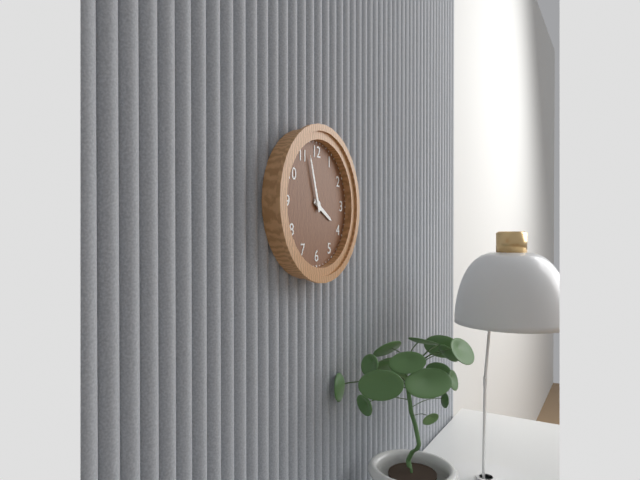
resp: 3,57
